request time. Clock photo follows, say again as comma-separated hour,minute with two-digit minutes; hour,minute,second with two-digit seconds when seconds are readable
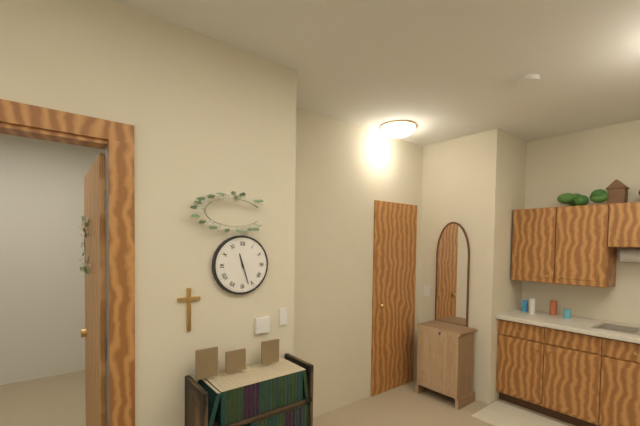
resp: 11,27
